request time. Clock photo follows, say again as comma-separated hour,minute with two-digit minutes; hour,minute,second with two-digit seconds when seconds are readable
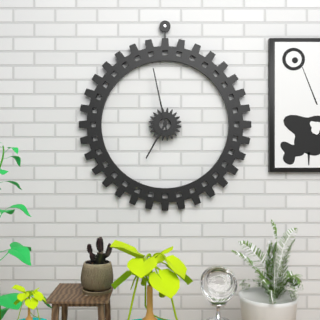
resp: 6,58
